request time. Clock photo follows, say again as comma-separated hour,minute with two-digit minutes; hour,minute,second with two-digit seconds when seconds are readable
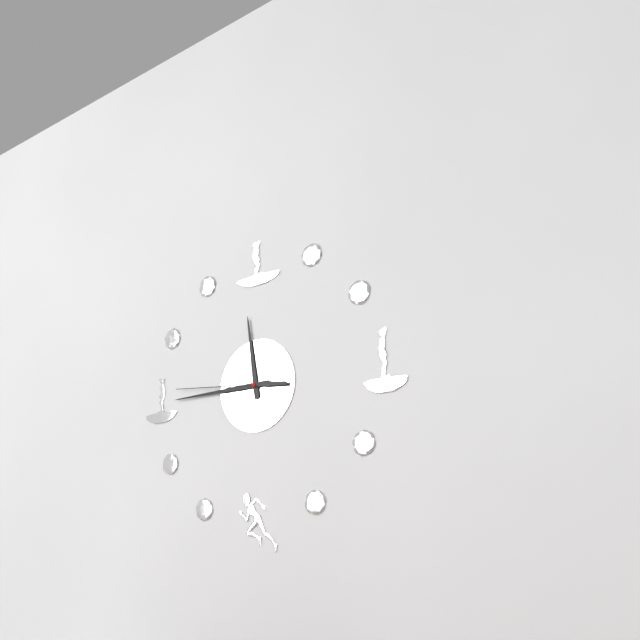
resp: 11,45,46
